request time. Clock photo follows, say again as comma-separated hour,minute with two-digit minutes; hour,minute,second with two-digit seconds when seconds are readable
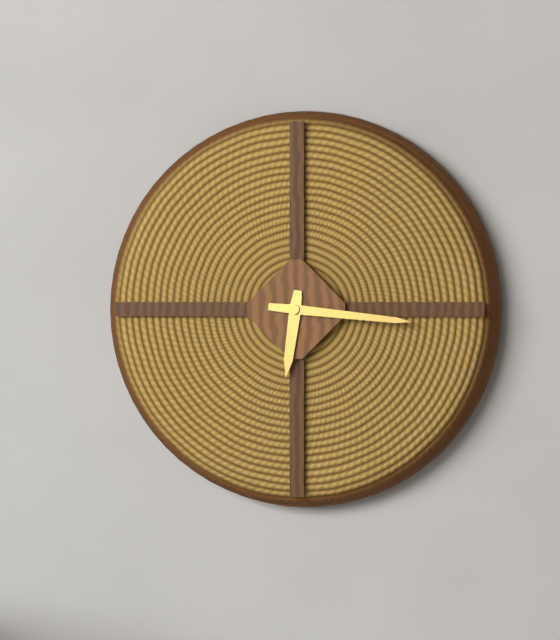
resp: 6,16
